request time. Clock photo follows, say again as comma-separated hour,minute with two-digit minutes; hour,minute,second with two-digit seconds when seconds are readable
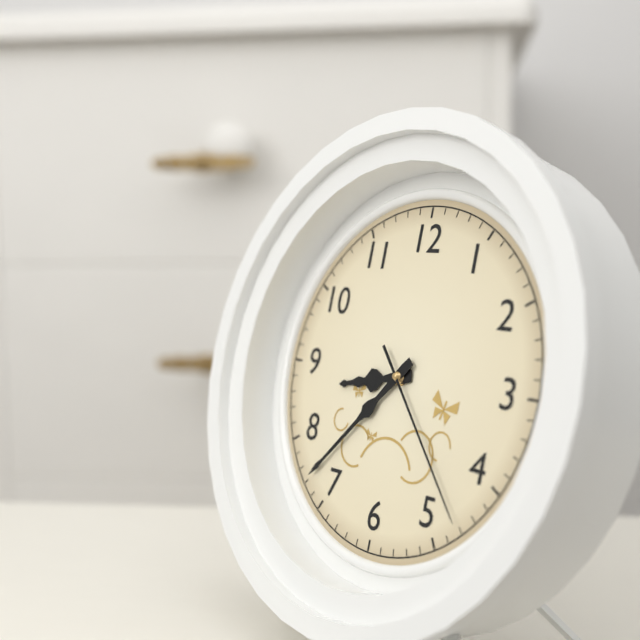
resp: 8,37,23
